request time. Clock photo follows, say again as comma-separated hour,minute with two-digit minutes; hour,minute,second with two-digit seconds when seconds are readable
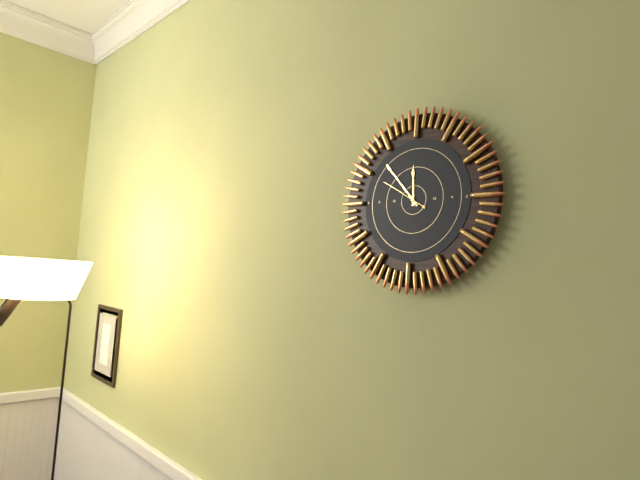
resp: 11,53
